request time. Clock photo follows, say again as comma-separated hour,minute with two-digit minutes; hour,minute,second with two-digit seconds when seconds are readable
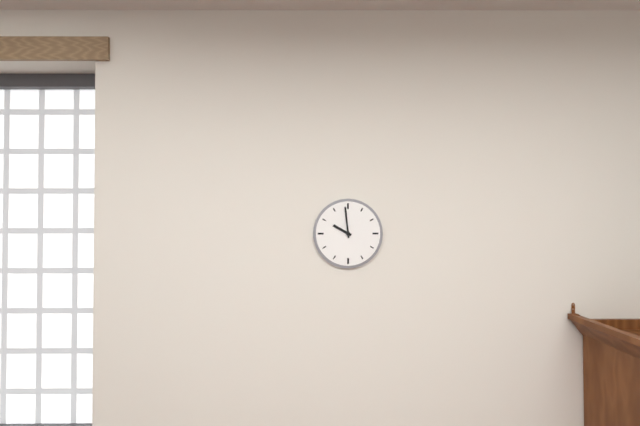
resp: 9,59
